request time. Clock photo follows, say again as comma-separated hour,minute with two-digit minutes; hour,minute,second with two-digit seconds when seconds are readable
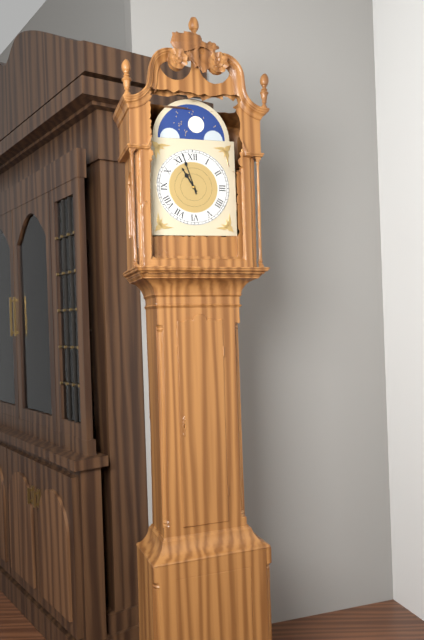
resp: 10,57
